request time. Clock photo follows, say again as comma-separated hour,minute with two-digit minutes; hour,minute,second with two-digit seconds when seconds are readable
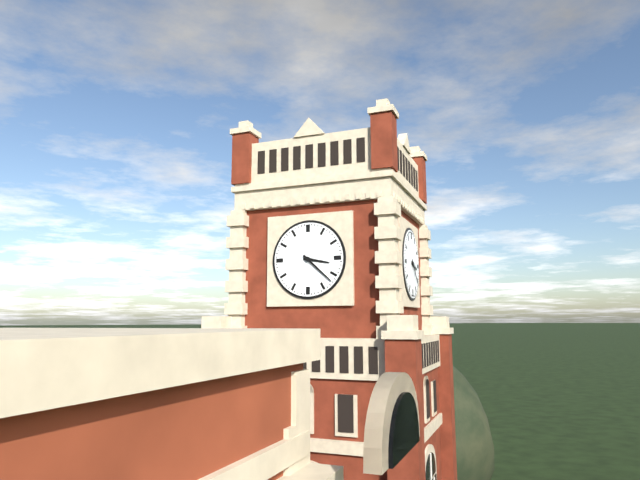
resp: 3,22
